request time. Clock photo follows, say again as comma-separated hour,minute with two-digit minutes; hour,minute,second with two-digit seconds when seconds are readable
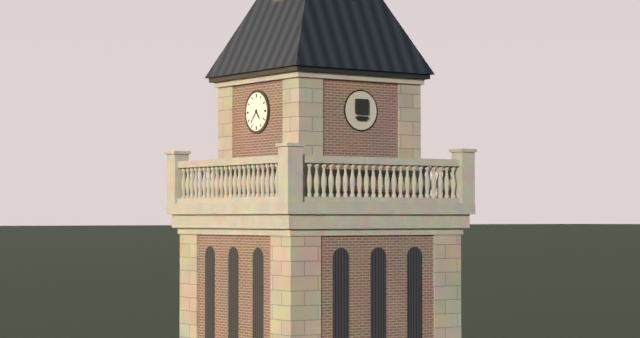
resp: 4,37
